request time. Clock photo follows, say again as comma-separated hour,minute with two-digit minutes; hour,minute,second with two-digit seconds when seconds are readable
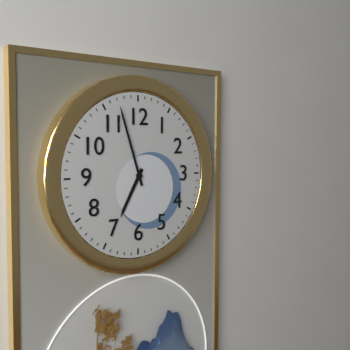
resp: 6,57
